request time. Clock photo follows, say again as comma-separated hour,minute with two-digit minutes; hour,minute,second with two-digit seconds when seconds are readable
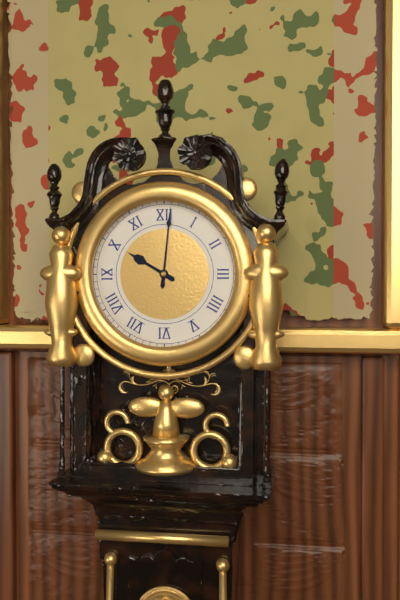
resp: 10,01
